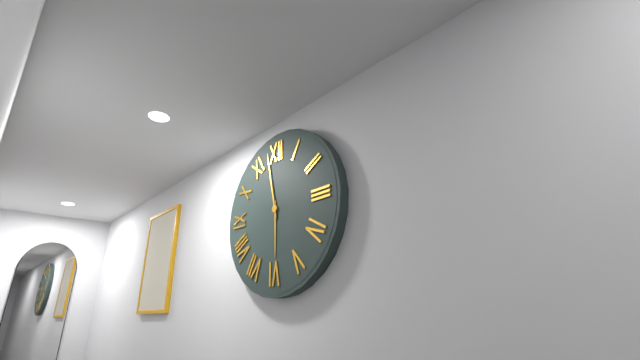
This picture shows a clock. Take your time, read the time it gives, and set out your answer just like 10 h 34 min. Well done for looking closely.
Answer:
5 h 58 min
